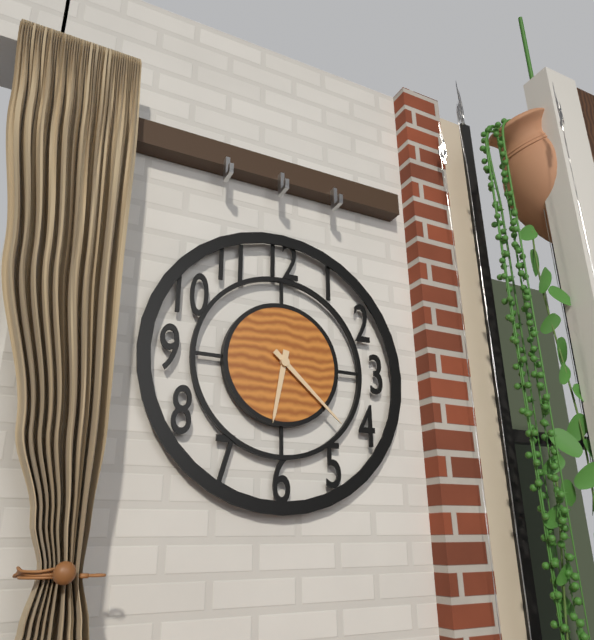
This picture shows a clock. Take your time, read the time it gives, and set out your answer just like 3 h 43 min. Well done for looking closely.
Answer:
6 h 22 min
